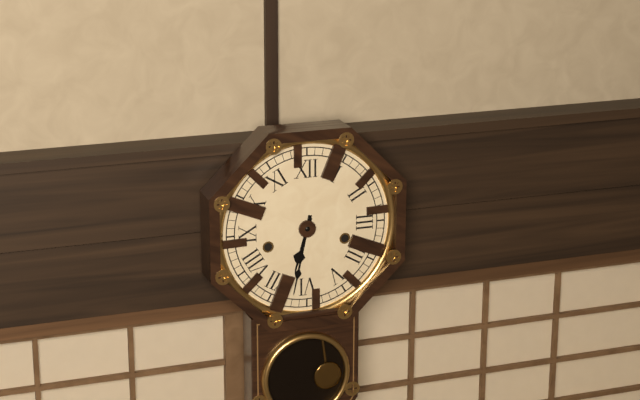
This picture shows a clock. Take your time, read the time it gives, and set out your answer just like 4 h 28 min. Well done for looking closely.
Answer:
6 h 32 min
